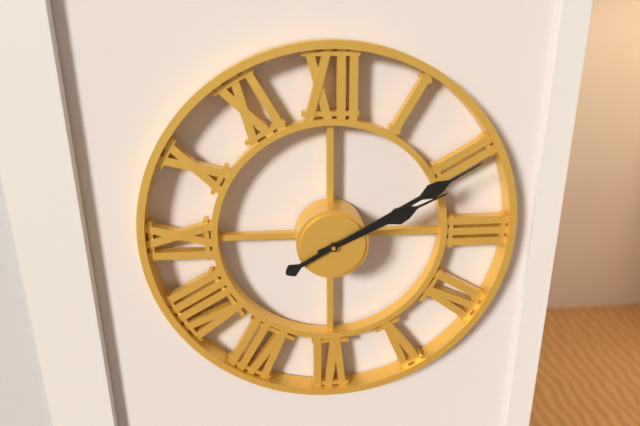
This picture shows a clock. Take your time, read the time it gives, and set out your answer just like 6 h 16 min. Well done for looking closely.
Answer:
2 h 10 min
